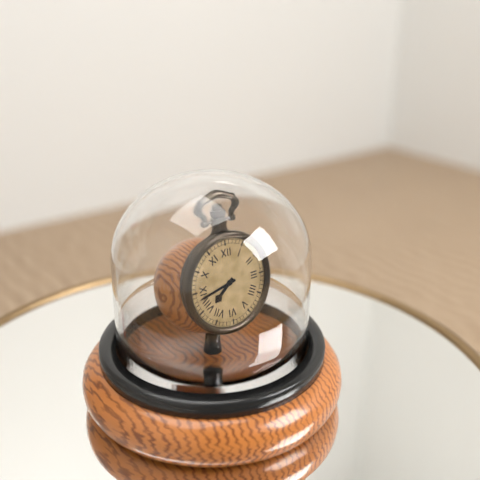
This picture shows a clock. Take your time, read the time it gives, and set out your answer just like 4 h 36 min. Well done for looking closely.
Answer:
7 h 43 min
